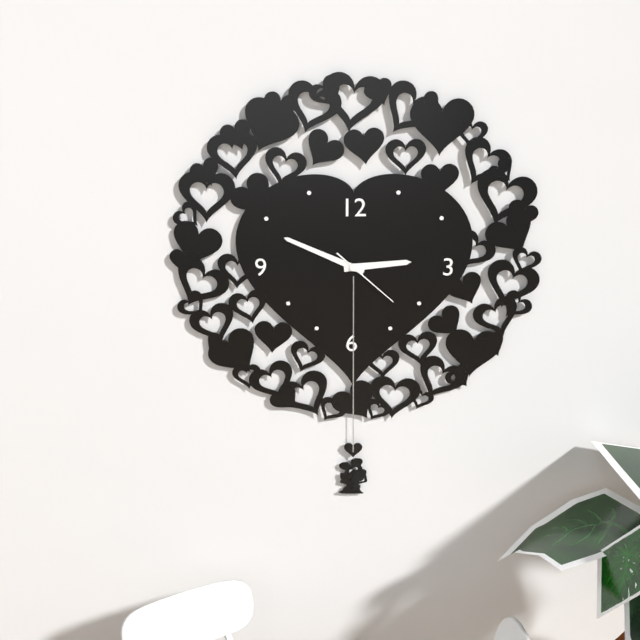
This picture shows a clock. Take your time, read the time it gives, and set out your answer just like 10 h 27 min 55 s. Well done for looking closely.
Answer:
2 h 49 min 22 s
